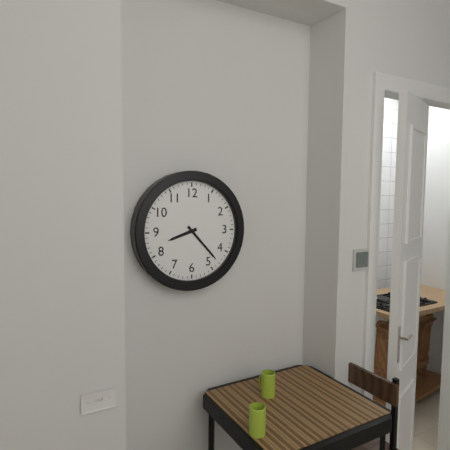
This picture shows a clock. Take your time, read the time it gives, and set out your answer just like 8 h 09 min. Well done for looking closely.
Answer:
8 h 23 min
